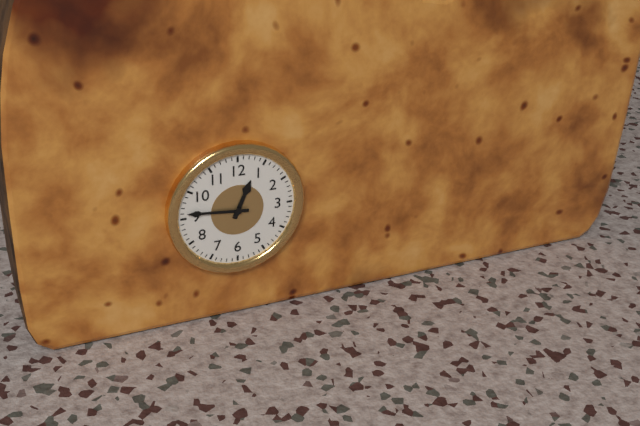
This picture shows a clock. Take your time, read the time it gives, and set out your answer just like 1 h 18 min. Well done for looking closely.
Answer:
12 h 46 min
